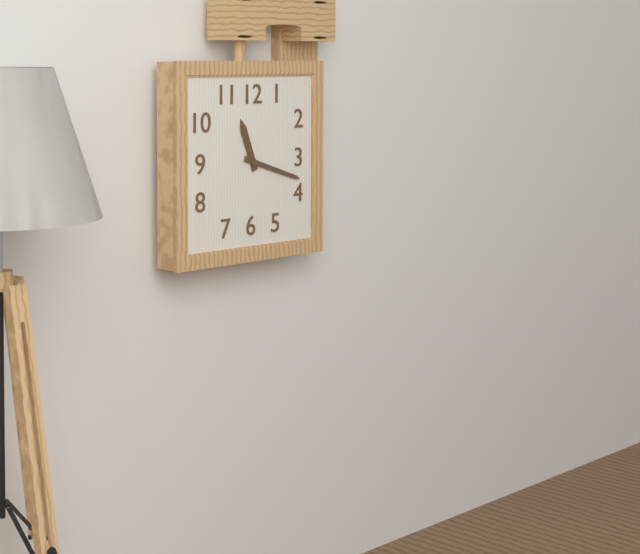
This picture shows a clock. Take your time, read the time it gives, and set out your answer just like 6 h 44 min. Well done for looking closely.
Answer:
11 h 18 min
